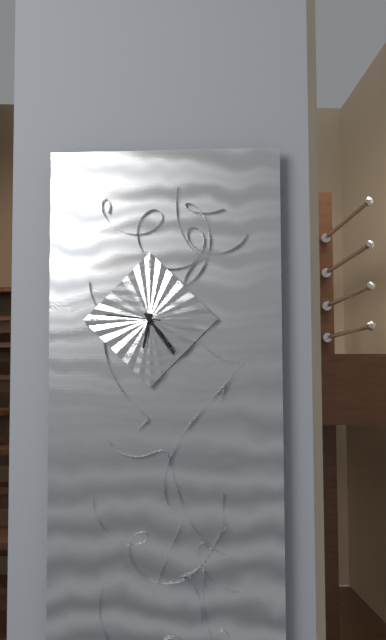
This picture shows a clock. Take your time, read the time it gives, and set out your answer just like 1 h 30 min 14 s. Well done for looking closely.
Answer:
6 h 24 min 46 s
